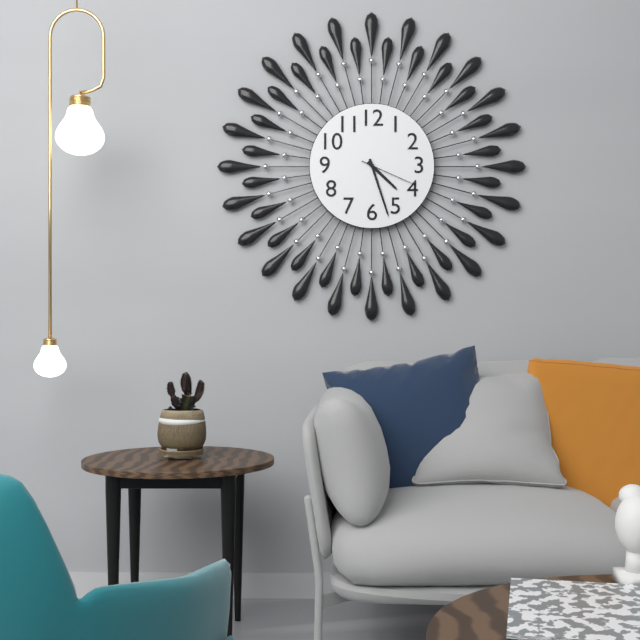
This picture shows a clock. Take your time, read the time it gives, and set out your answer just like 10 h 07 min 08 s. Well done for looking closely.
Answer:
4 h 27 min 19 s
